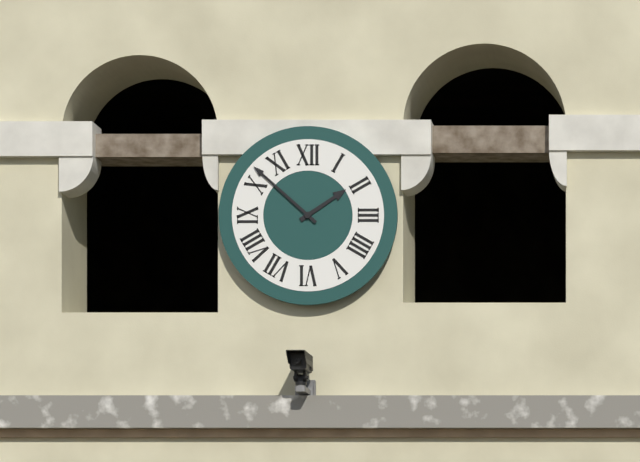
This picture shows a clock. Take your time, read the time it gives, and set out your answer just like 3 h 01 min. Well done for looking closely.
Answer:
1 h 52 min
